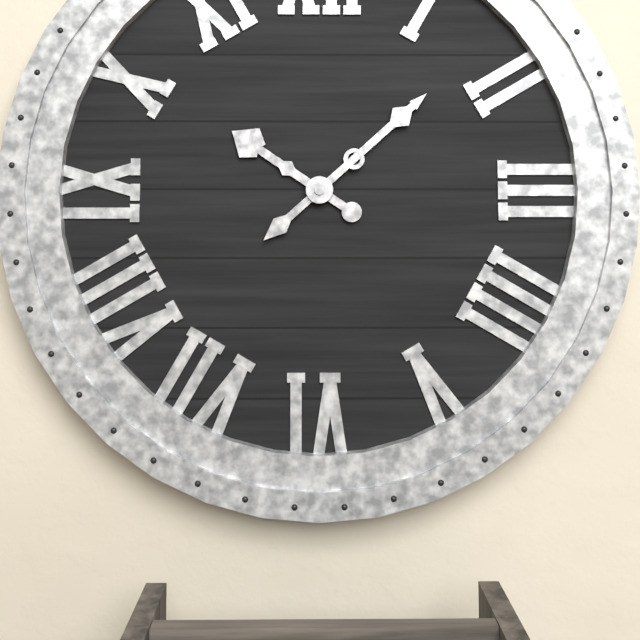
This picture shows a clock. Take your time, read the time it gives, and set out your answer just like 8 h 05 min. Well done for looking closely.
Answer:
10 h 08 min
